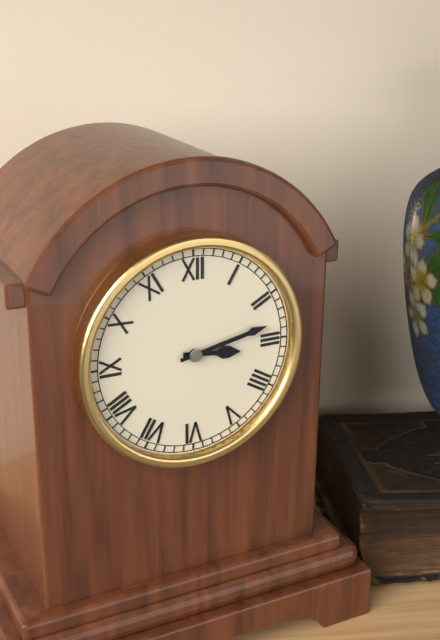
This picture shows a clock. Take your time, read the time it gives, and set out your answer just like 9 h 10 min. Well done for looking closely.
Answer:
3 h 13 min
